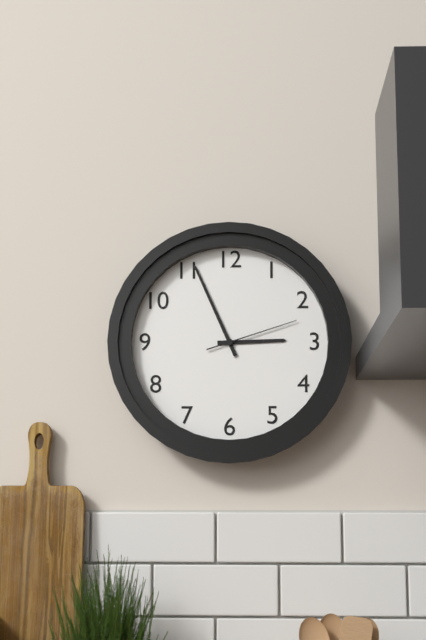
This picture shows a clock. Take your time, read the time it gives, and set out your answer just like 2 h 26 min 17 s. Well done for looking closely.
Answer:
2 h 56 min 12 s
